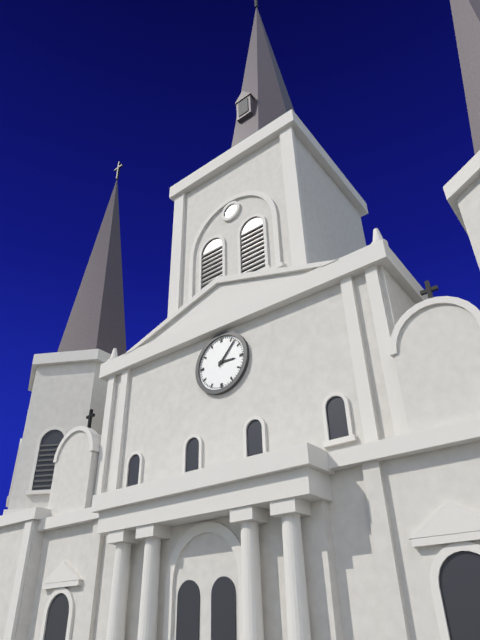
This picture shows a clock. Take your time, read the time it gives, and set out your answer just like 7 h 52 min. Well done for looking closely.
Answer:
3 h 07 min
